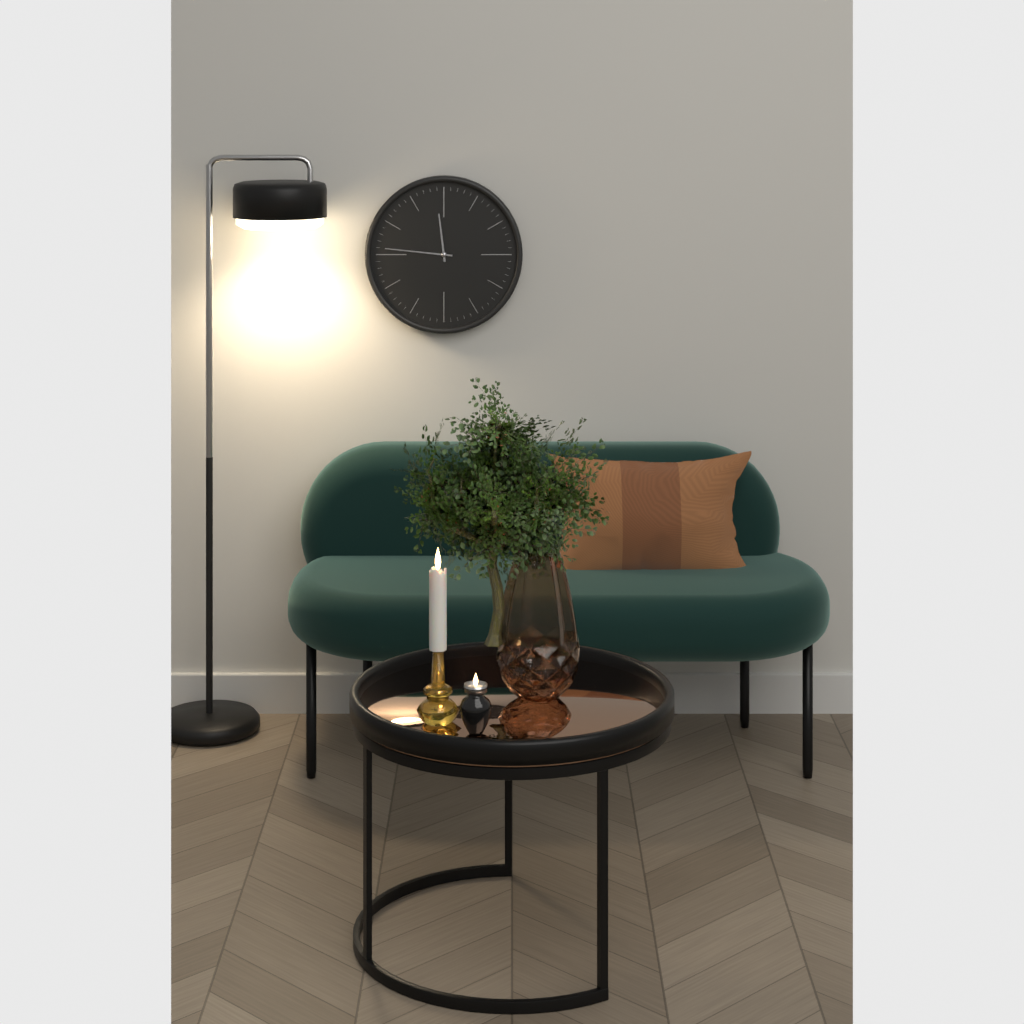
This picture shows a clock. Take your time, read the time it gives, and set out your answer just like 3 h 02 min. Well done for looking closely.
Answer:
11 h 46 min
